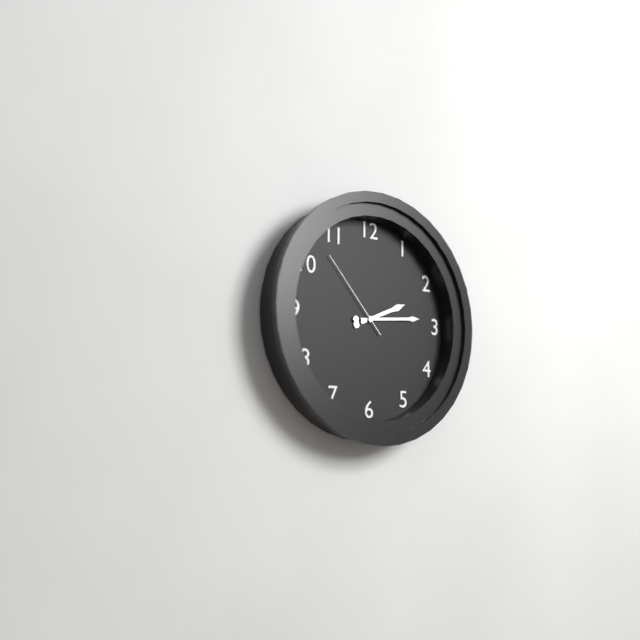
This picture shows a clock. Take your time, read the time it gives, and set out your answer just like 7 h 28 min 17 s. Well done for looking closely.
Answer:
2 h 14 min 53 s
